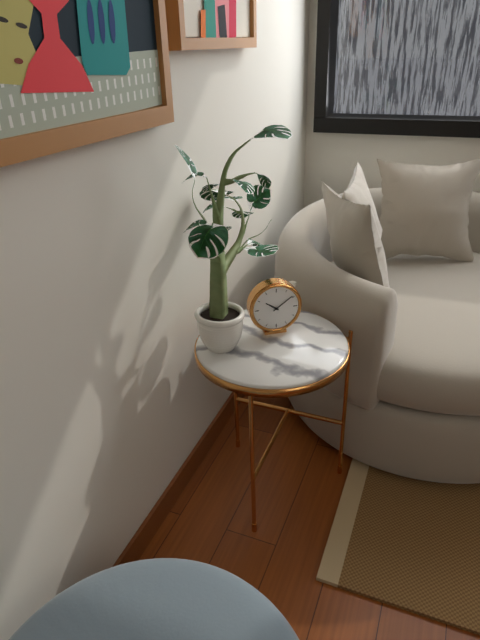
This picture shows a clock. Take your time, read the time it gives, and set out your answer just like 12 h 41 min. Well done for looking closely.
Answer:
10 h 09 min
